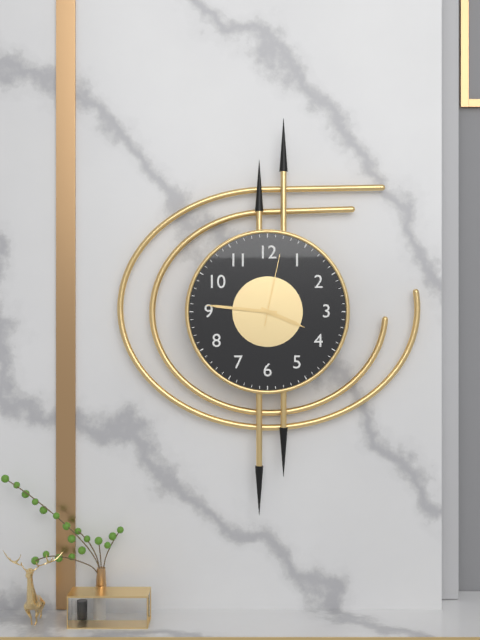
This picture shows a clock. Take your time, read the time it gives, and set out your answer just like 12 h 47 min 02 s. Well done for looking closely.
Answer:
3 h 46 min 02 s
